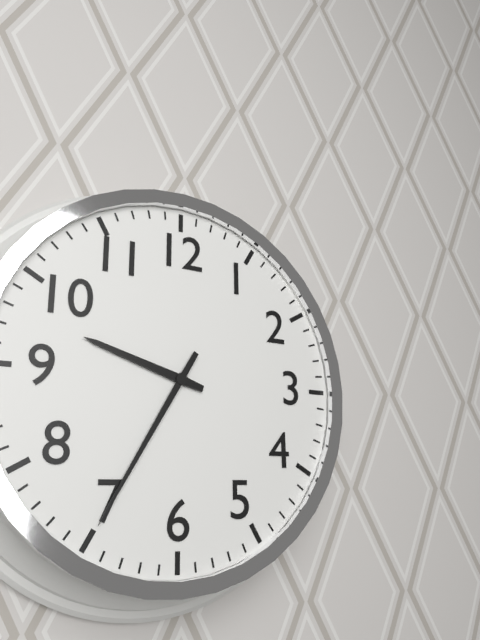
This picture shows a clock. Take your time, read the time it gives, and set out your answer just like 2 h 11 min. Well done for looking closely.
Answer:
9 h 35 min
